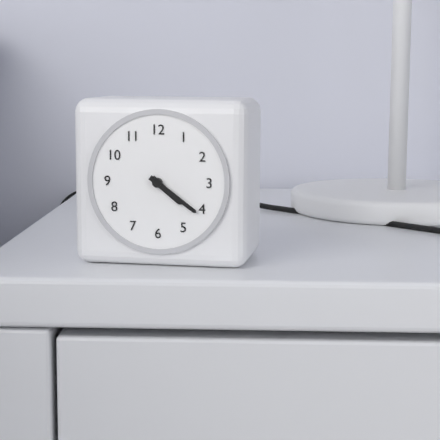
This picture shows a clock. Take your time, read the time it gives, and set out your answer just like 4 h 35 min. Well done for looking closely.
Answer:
4 h 21 min
